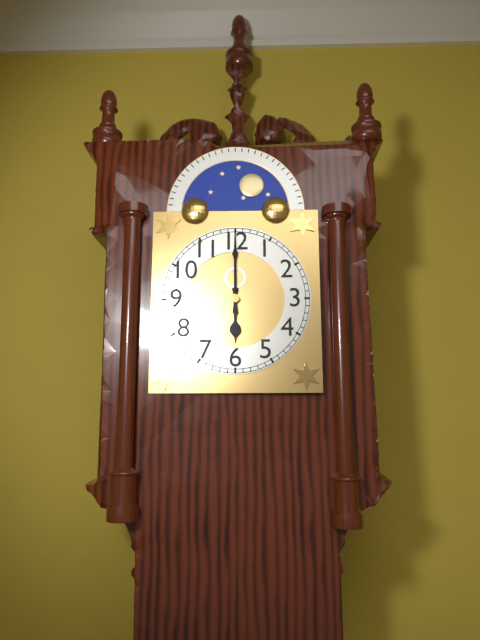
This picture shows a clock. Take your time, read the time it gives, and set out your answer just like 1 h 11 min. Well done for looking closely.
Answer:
6 h 00 min
